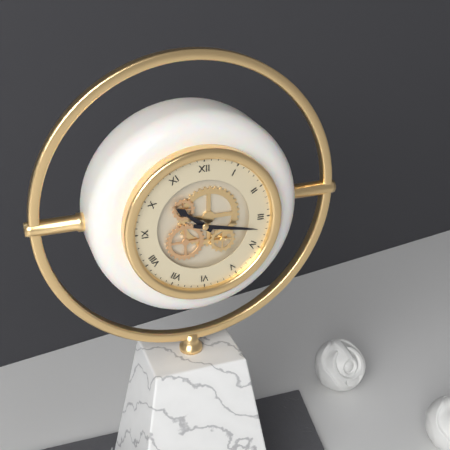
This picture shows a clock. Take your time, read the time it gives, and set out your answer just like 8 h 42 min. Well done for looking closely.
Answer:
10 h 17 min
